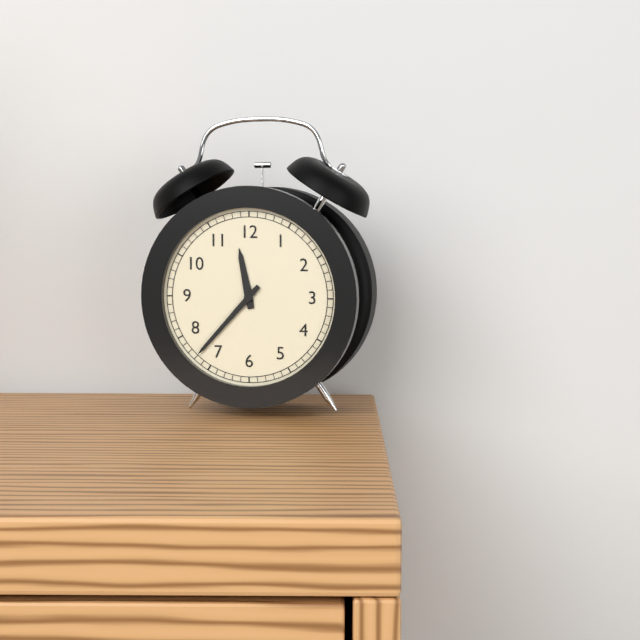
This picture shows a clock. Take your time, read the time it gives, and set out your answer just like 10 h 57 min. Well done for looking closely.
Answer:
11 h 37 min
